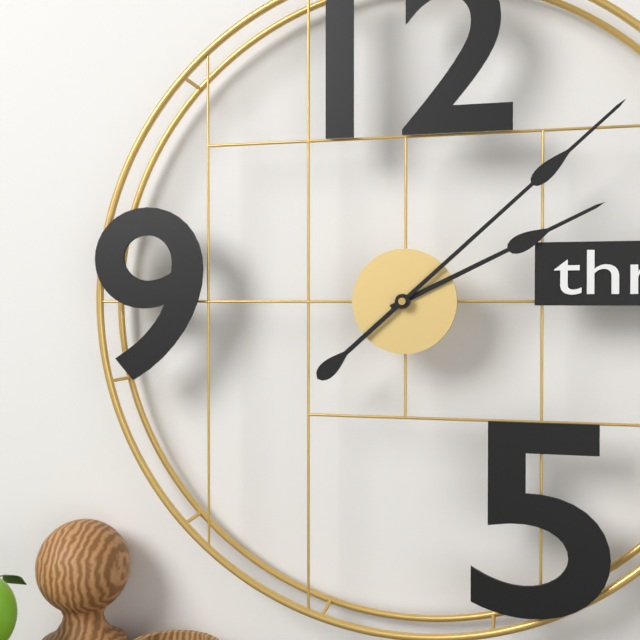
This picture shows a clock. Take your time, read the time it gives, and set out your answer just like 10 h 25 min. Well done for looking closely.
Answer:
2 h 08 min
